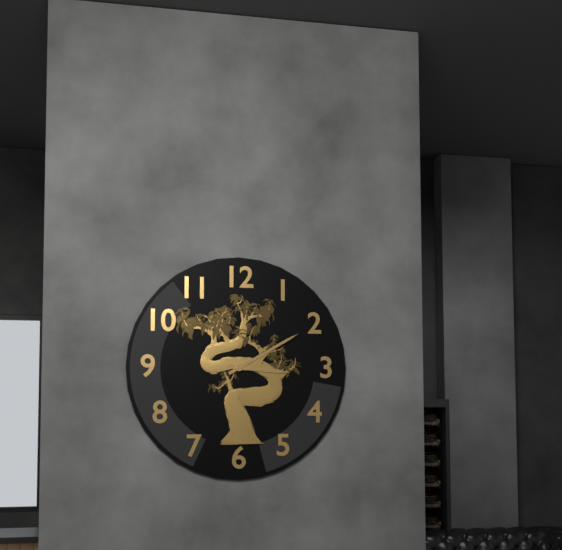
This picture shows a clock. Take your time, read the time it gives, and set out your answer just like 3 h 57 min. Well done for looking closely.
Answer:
3 h 10 min
